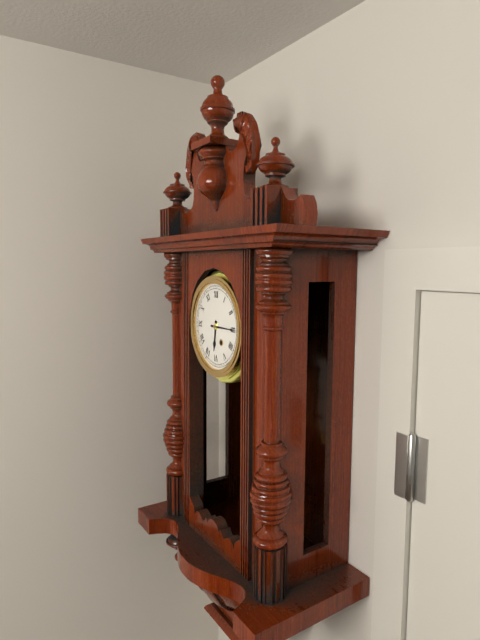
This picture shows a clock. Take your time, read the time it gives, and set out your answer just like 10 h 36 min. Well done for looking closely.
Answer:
6 h 15 min
